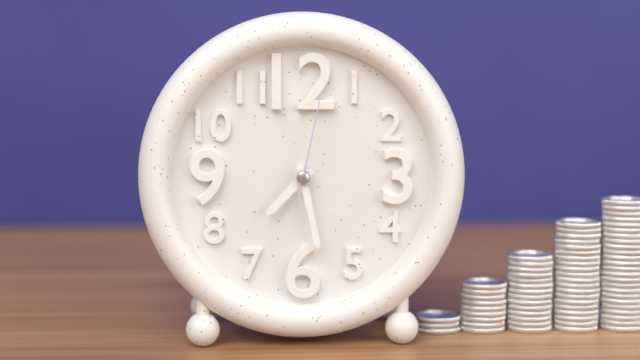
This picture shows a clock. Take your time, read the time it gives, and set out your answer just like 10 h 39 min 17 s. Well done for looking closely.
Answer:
7 h 28 min 02 s
